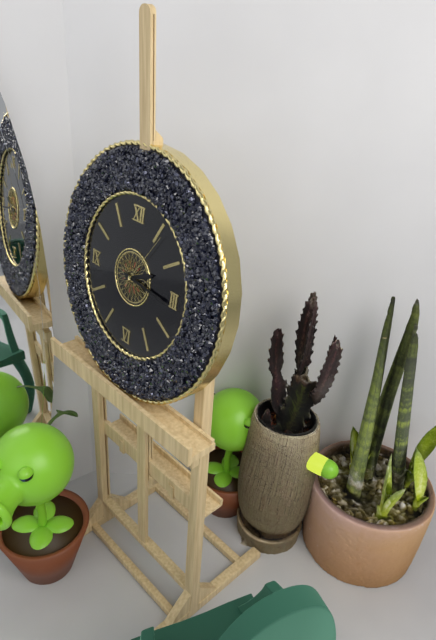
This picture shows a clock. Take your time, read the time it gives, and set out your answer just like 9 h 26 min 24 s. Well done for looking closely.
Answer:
2 h 16 min 06 s
